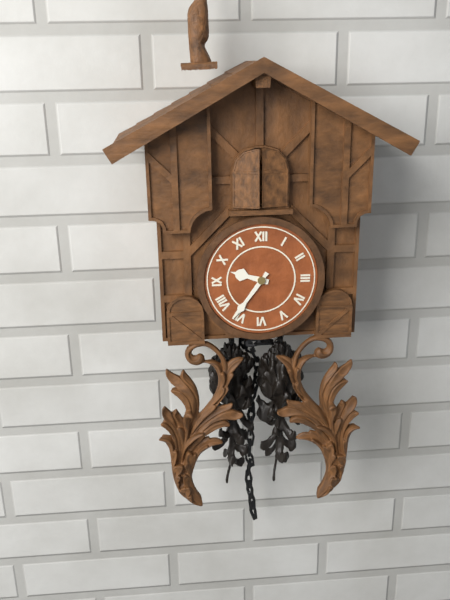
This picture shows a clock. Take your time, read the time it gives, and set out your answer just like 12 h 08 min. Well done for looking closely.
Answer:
9 h 36 min
